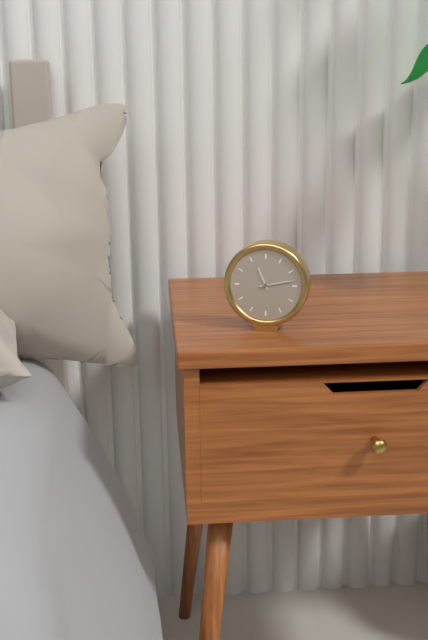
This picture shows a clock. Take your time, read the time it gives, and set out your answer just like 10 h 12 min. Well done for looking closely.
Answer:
11 h 13 min
